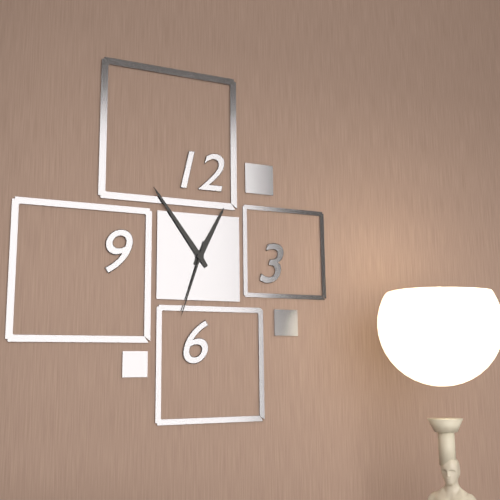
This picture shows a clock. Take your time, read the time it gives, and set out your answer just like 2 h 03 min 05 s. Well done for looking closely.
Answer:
12 h 54 min 33 s
